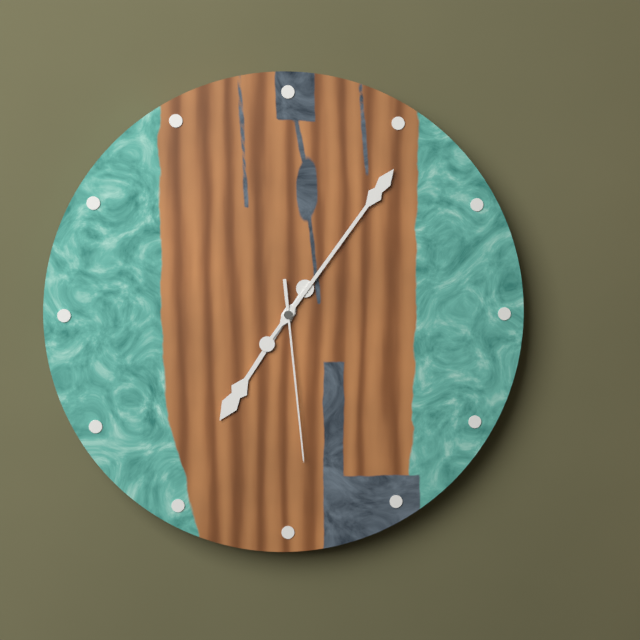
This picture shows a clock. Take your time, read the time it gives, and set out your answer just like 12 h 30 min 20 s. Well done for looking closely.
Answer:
7 h 06 min 29 s
